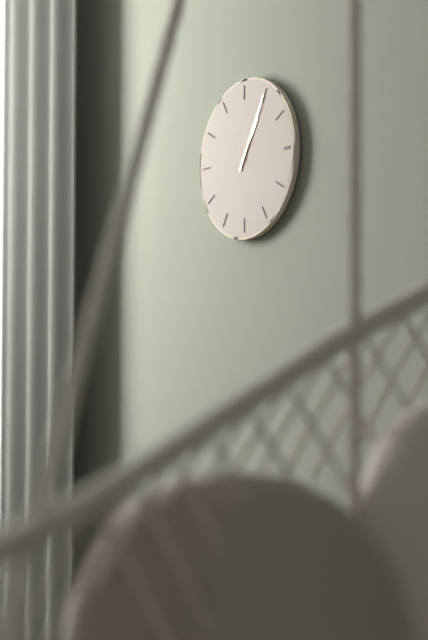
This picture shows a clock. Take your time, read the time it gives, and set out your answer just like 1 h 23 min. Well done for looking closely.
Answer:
1 h 05 min
